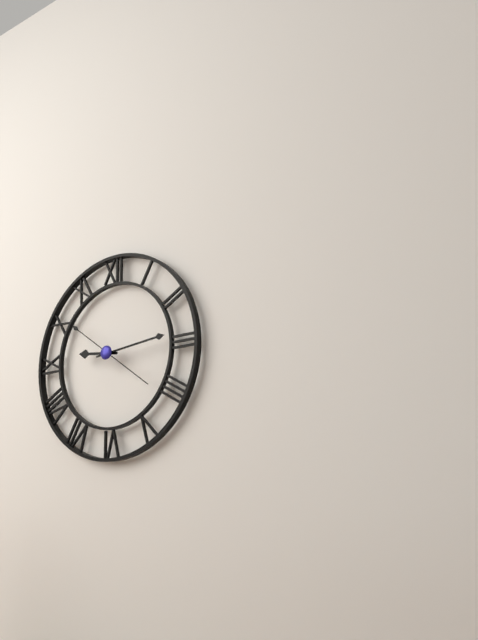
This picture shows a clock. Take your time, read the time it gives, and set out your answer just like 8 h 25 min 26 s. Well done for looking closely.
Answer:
9 h 14 min 21 s
